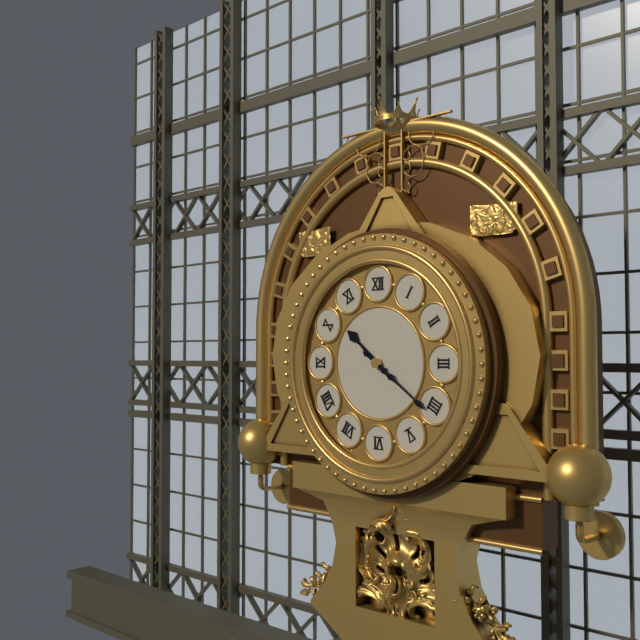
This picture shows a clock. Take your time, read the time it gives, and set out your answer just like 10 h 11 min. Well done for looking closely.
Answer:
10 h 21 min
